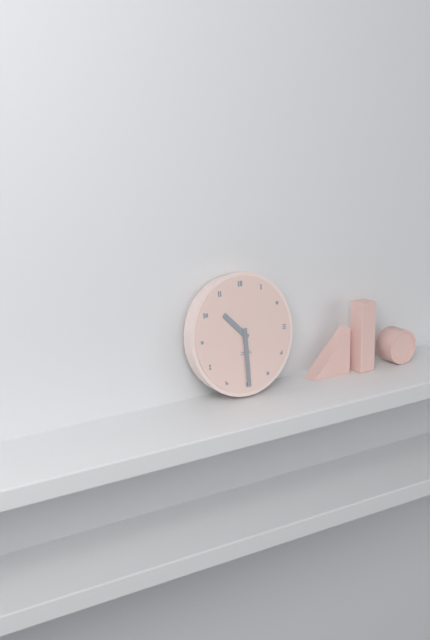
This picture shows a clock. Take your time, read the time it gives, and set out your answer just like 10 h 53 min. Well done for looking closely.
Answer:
10 h 30 min
